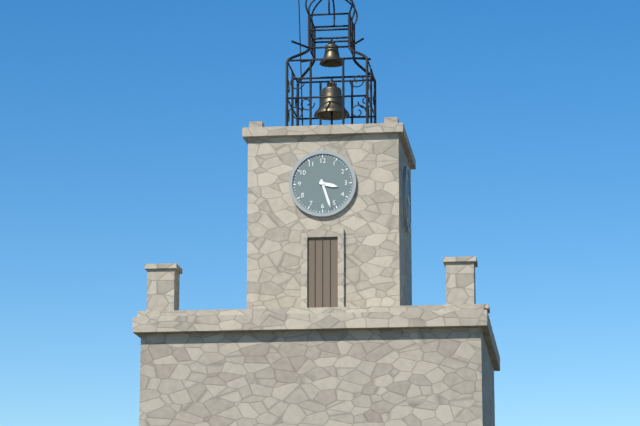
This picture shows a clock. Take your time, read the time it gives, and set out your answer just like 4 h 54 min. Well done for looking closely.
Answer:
3 h 27 min
